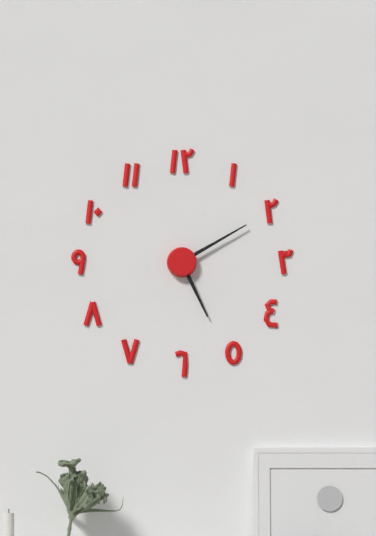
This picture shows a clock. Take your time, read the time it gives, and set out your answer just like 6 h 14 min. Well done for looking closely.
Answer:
5 h 10 min
